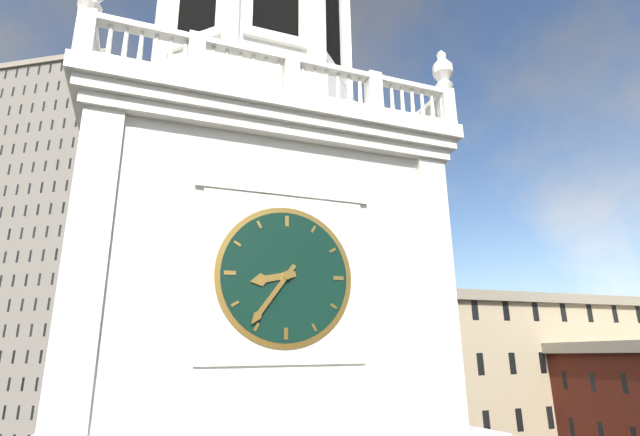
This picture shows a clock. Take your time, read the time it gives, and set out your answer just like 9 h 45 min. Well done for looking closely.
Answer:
8 h 36 min
